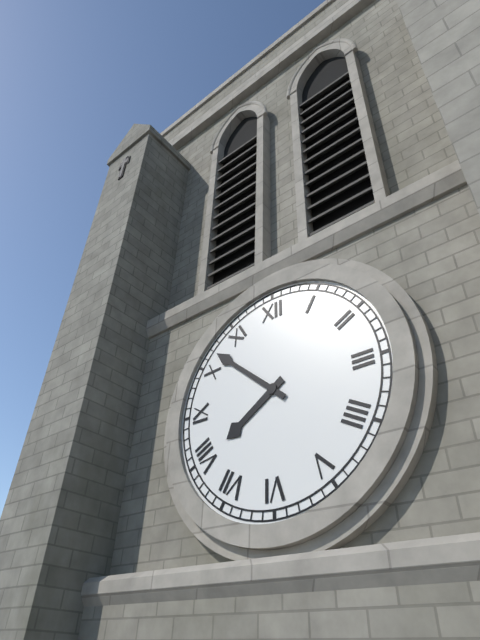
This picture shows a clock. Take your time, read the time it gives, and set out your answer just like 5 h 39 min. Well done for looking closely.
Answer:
7 h 52 min
